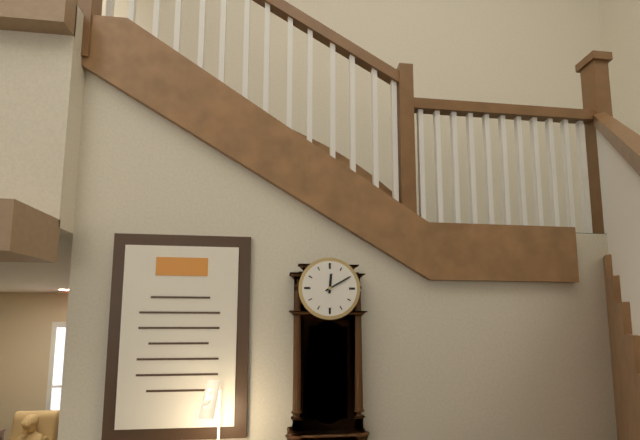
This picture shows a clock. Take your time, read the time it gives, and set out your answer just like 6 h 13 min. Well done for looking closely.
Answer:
12 h 10 min
